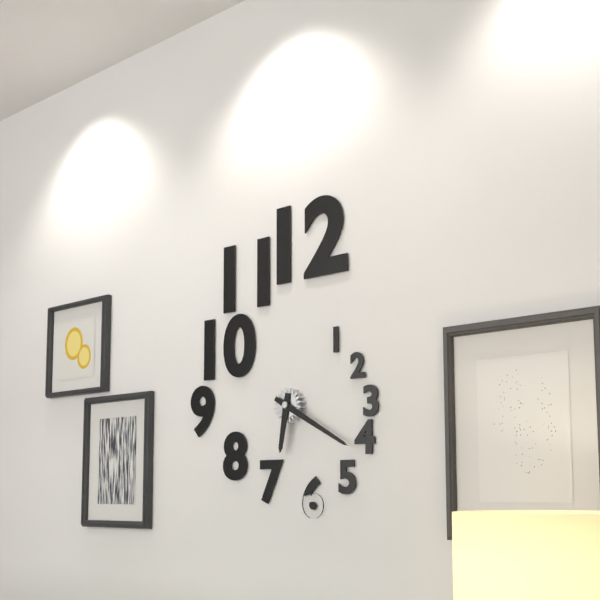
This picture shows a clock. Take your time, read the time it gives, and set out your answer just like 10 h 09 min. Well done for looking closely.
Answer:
6 h 20 min
